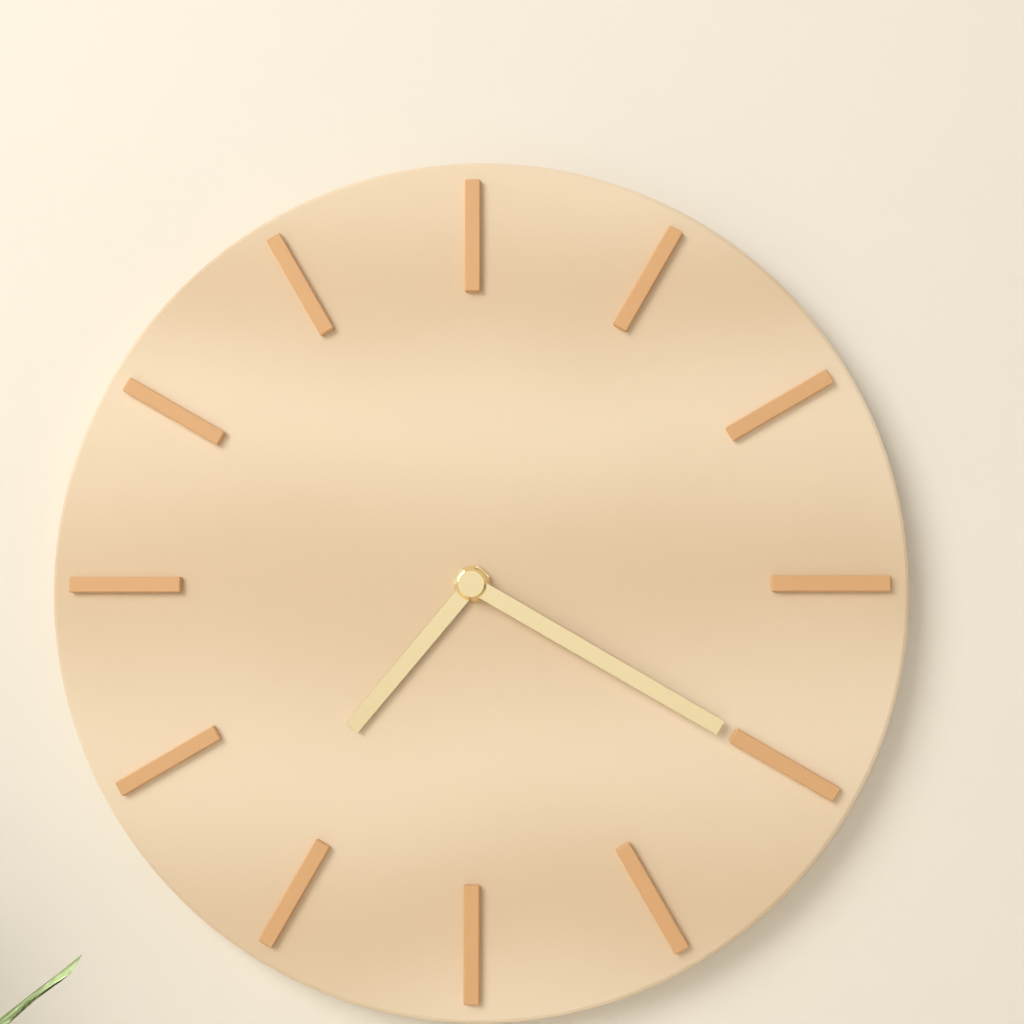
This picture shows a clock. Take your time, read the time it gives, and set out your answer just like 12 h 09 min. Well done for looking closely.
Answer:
7 h 20 min
